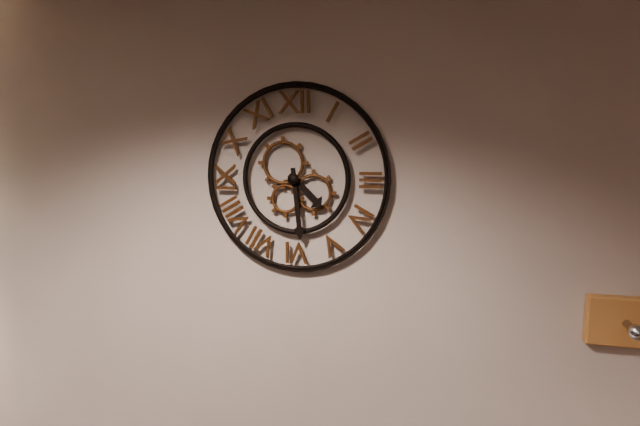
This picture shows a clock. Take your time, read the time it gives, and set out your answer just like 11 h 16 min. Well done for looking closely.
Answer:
4 h 29 min
